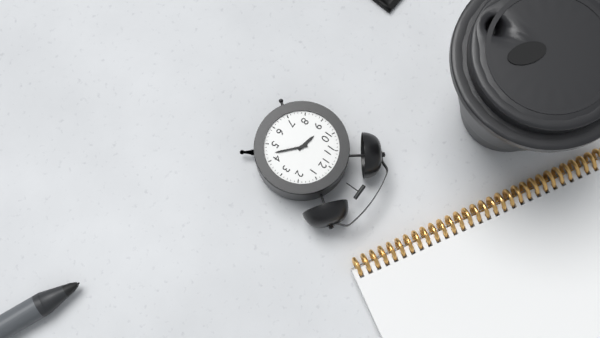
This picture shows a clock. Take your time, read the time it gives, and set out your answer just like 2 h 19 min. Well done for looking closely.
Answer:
9 h 22 min
